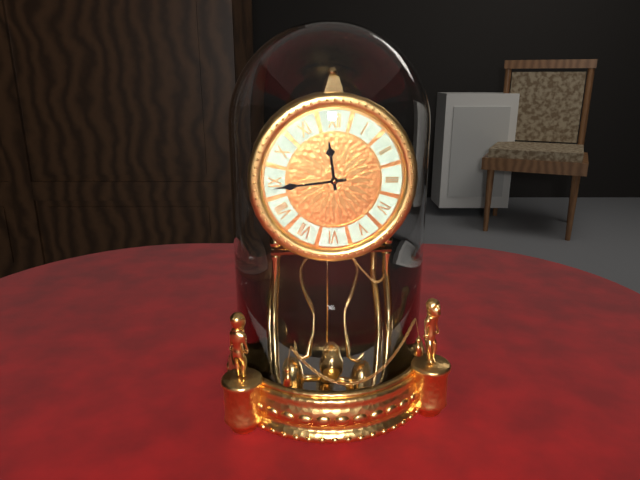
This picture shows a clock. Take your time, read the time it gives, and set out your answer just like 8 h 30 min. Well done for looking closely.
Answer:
11 h 44 min
